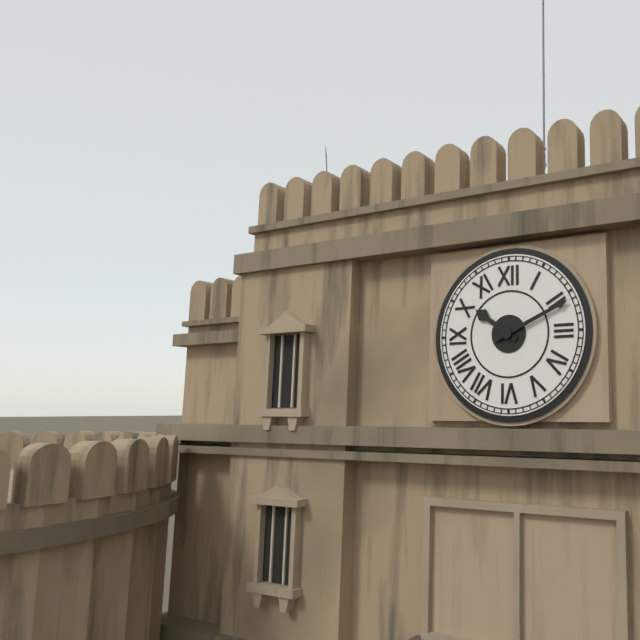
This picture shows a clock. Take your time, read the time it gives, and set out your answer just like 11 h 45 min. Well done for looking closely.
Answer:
10 h 11 min
